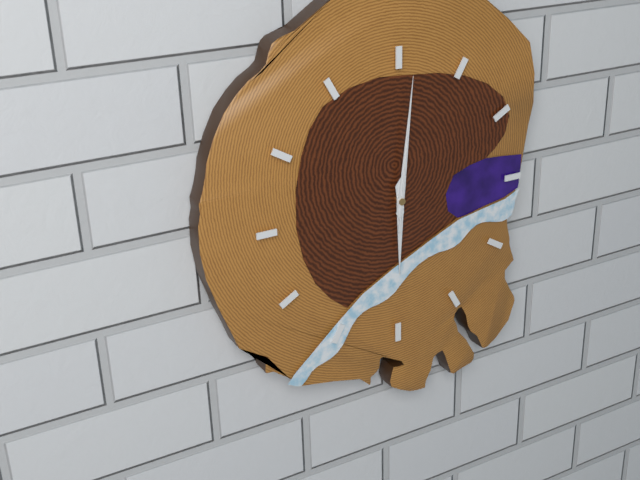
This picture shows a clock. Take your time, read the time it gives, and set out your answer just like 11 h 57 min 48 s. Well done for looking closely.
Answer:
6 h 01 min 01 s
